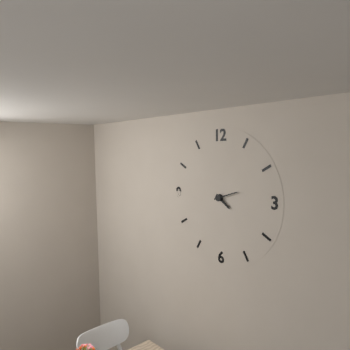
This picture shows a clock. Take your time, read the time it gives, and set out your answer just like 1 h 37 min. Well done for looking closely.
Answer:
4 h 12 min
